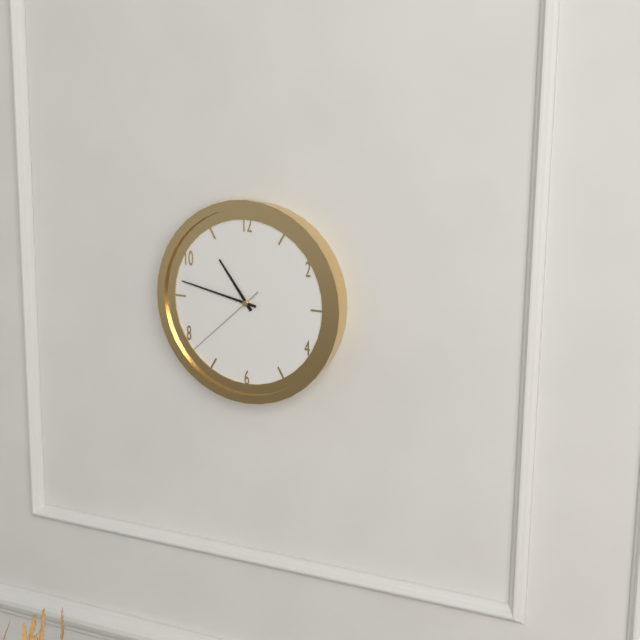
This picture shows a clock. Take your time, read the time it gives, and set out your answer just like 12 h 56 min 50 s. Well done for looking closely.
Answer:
10 h 47 min 38 s
